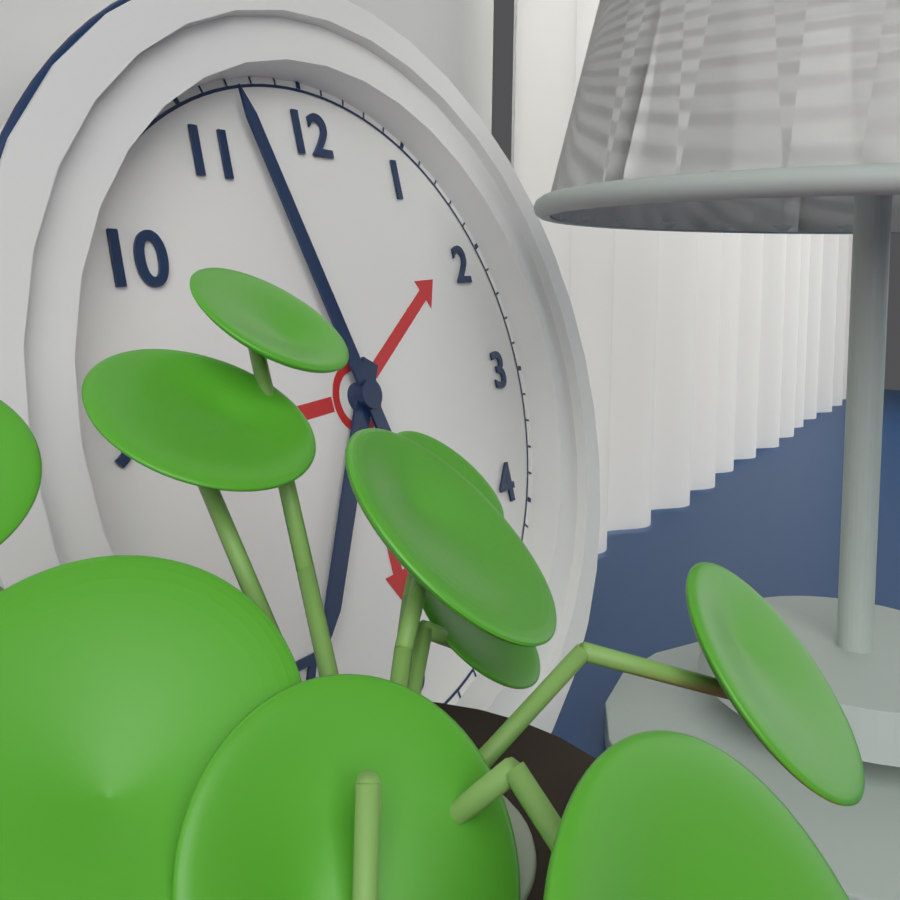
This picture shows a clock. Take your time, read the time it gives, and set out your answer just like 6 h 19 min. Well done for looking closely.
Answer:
6 h 57 min
